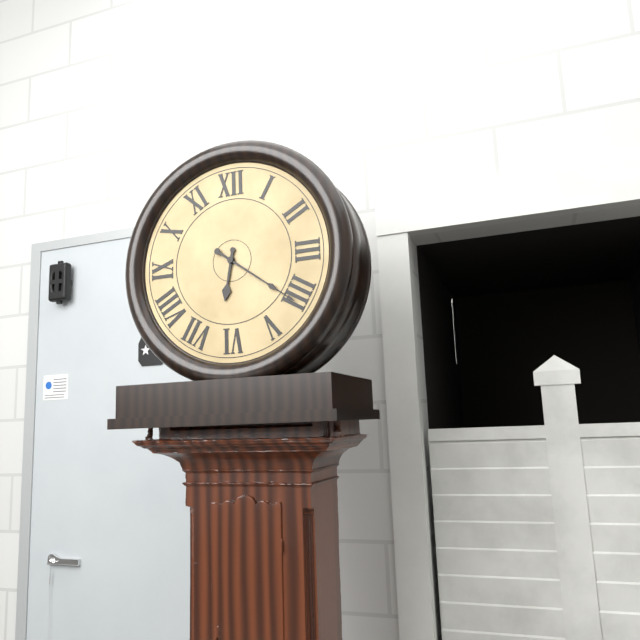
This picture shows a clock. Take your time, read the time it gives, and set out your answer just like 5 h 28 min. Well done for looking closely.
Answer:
6 h 21 min
